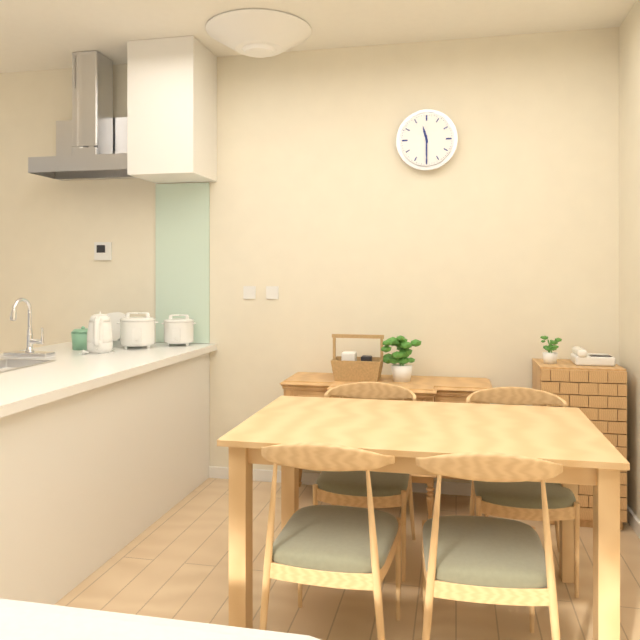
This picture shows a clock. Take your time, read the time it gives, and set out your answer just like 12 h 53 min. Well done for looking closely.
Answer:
11 h 30 min
